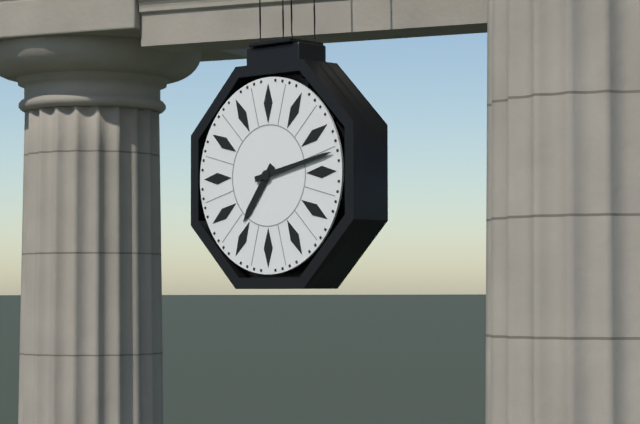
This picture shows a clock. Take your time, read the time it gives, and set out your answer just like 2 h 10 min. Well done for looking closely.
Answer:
7 h 13 min
